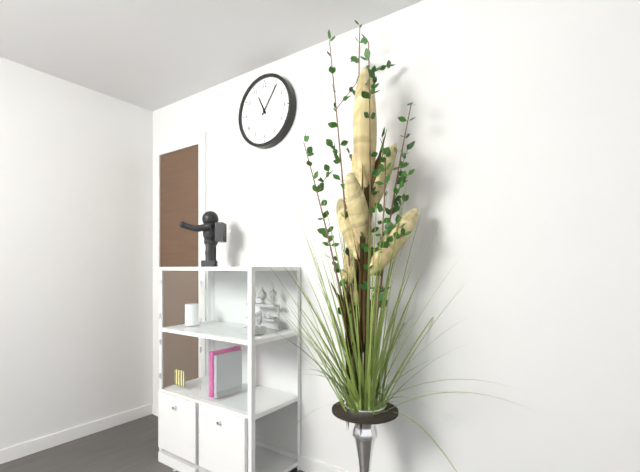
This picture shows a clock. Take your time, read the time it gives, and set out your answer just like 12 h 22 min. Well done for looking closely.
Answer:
11 h 06 min
